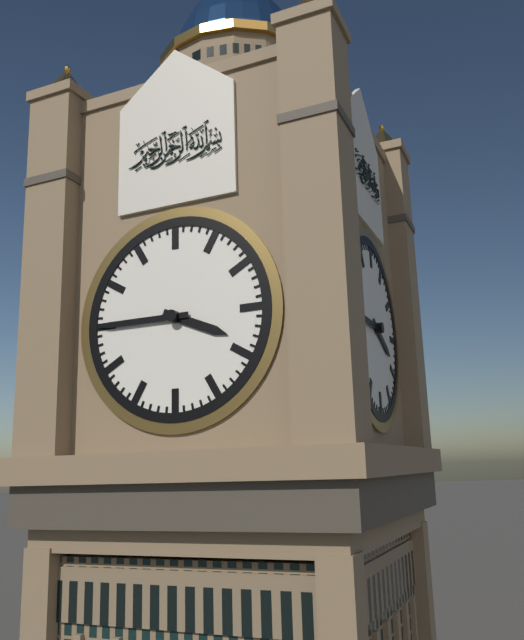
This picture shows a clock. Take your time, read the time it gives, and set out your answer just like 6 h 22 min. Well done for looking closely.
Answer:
3 h 45 min
